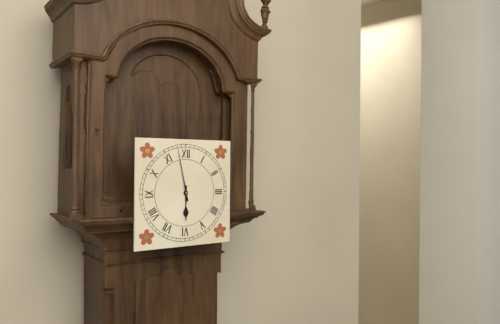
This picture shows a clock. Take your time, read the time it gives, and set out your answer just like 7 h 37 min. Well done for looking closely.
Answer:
5 h 58 min
